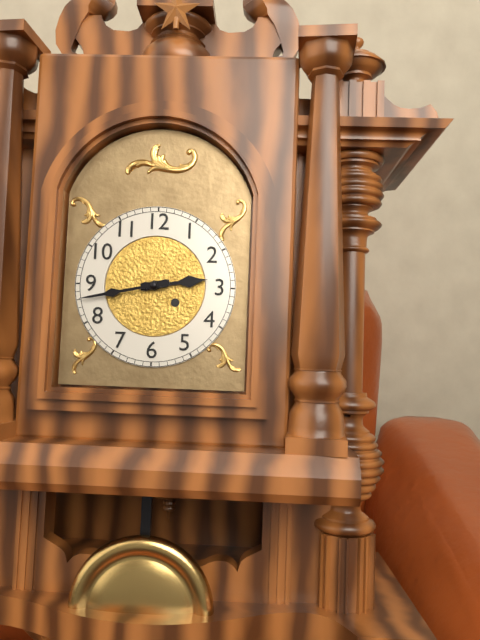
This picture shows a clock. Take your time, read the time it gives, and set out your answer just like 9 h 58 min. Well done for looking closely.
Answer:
2 h 43 min
